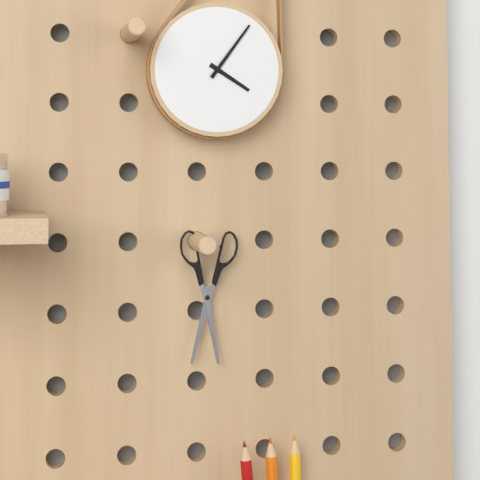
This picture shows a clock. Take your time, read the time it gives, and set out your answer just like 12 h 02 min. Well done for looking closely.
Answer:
4 h 06 min
